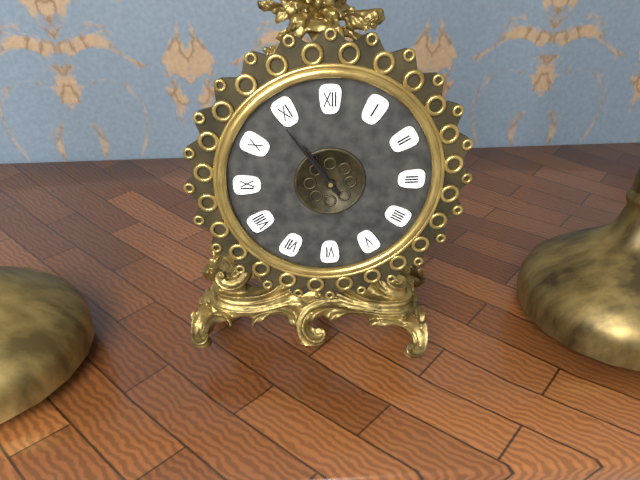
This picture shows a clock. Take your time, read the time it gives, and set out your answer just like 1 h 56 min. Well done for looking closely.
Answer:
10 h 54 min
